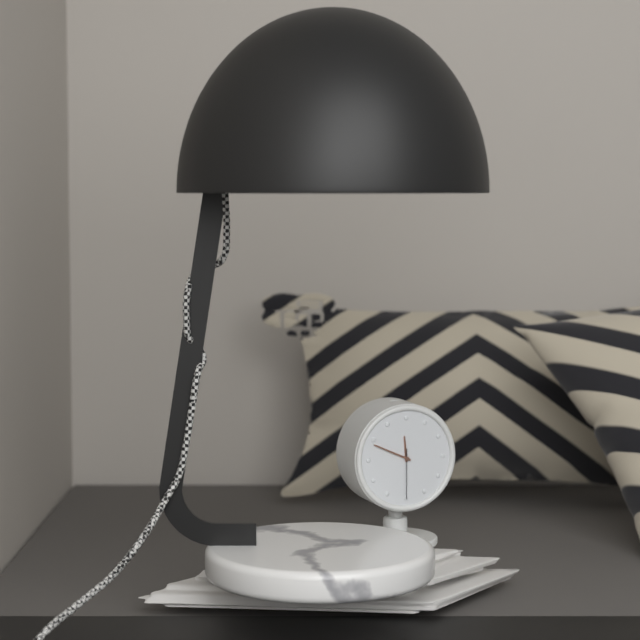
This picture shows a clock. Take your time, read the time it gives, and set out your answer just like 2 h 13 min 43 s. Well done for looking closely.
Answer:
11 h 49 min 30 s
